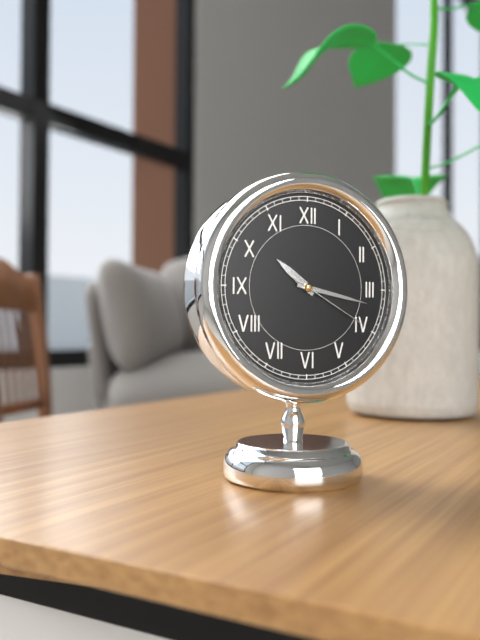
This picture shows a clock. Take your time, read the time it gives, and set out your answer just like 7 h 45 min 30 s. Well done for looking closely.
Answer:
10 h 17 min 20 s
